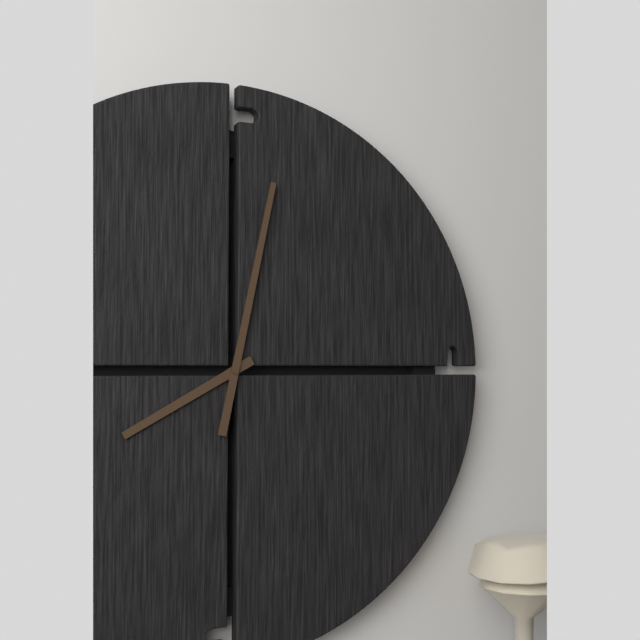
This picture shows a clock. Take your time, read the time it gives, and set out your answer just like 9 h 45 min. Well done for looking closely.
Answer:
8 h 02 min
